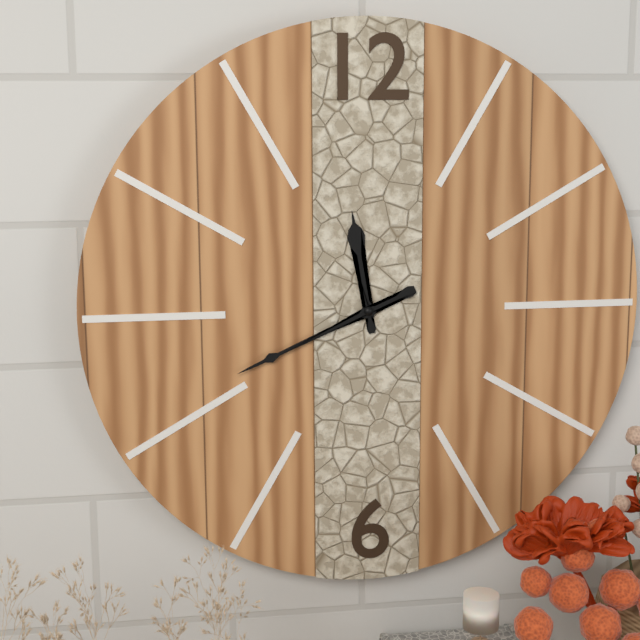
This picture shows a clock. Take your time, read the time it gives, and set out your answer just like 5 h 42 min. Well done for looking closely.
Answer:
11 h 41 min
